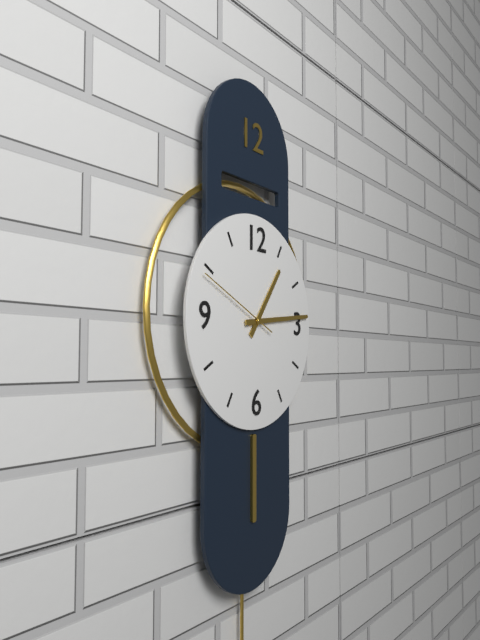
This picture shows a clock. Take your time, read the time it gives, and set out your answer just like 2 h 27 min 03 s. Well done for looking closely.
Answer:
1 h 14 min 49 s
